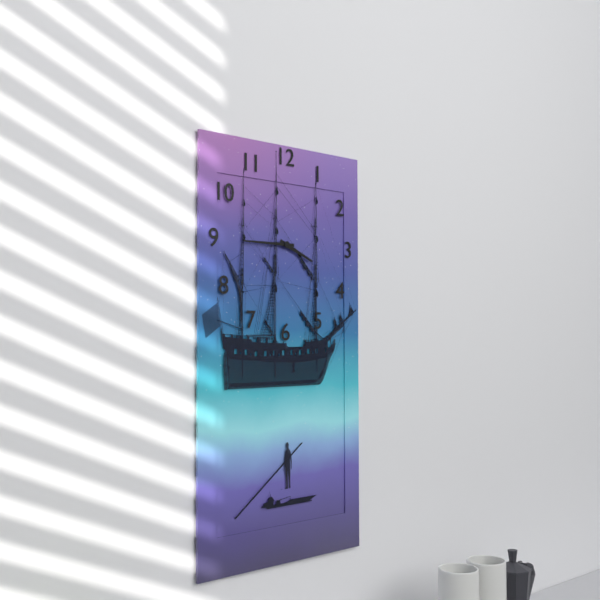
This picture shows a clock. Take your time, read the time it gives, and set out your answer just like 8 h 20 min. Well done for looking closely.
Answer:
3 h 45 min
